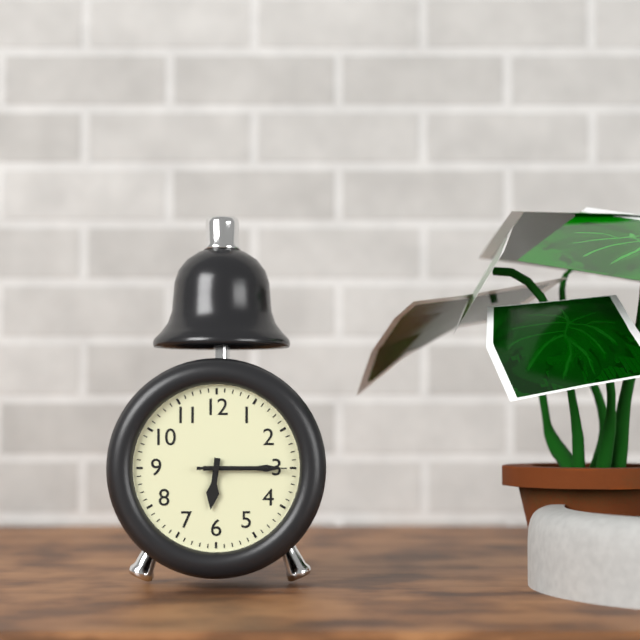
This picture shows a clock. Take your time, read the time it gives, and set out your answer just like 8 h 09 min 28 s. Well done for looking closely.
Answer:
6 h 15 min 15 s
